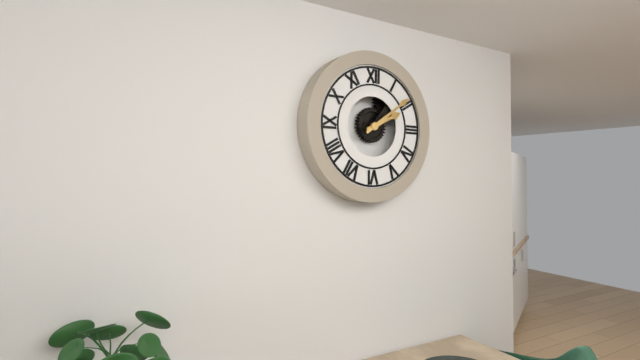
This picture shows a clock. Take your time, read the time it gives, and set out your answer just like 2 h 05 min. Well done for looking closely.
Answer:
2 h 09 min
